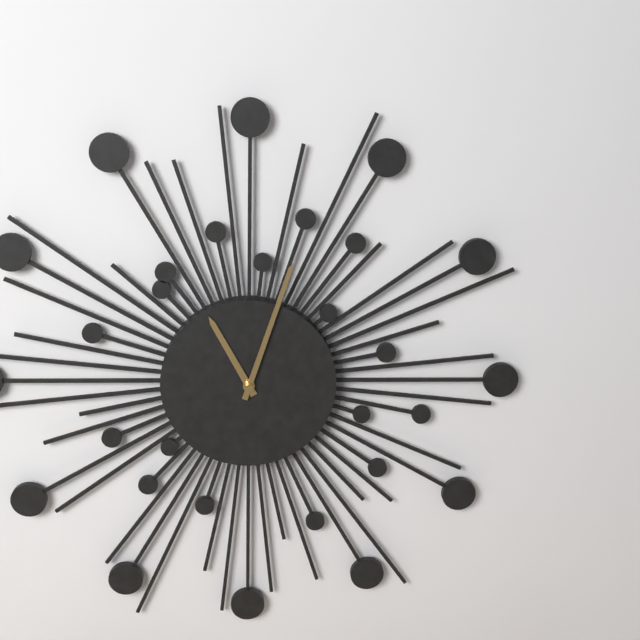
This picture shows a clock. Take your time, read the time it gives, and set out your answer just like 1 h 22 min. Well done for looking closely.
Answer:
11 h 03 min
